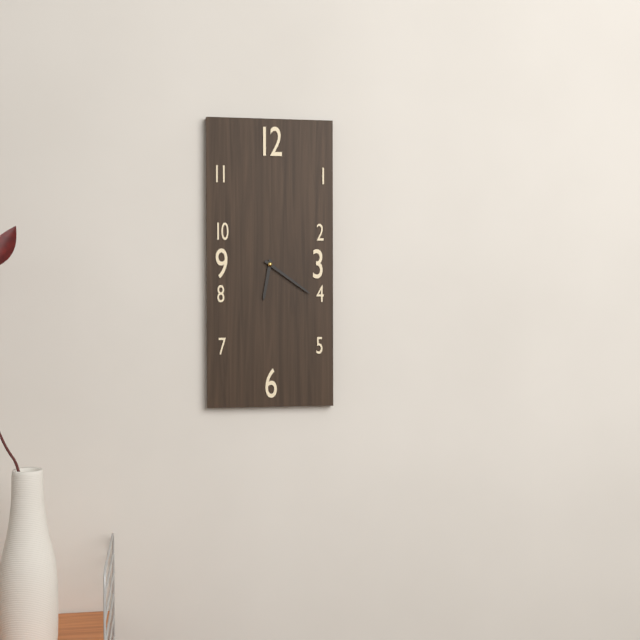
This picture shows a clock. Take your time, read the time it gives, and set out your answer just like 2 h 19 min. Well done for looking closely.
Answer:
6 h 21 min
